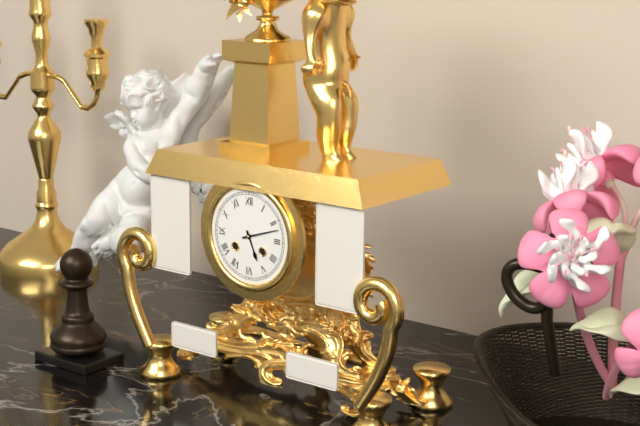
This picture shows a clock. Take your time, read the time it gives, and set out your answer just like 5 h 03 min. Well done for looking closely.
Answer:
5 h 12 min
